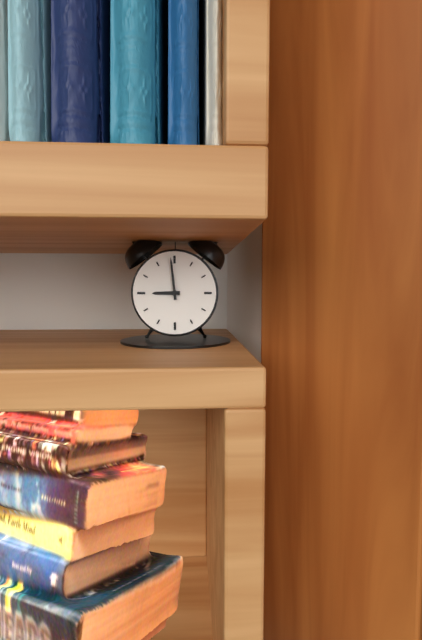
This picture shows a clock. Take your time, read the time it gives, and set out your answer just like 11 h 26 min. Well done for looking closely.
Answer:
8 h 59 min
